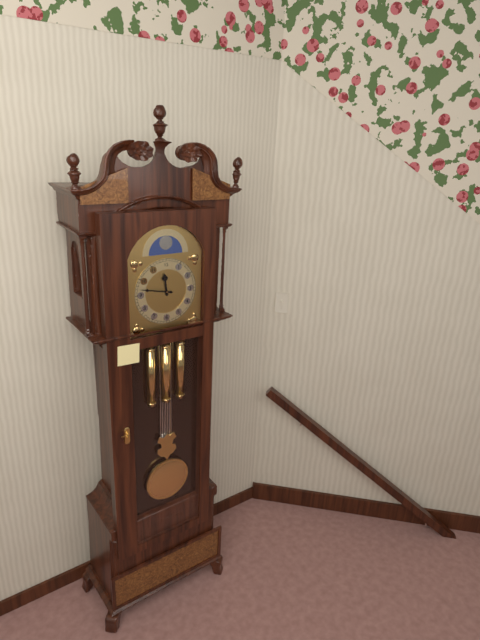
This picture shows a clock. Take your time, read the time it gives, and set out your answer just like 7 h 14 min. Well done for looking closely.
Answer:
11 h 47 min
